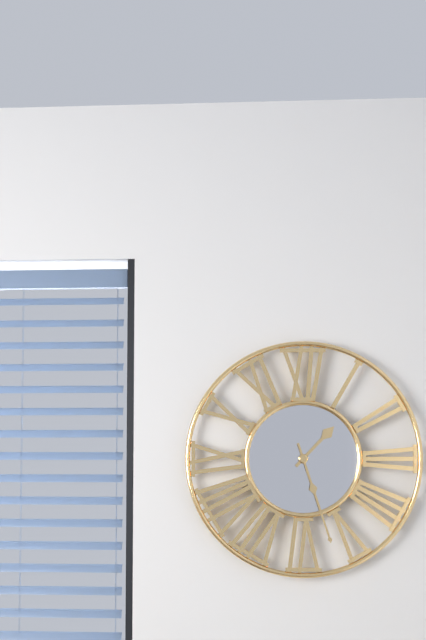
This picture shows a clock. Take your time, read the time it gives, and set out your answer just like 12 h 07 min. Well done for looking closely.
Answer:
1 h 27 min
